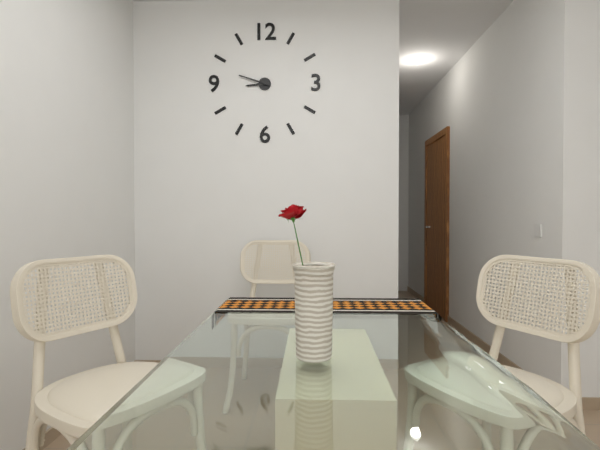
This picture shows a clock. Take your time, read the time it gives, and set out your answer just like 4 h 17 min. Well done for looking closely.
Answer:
8 h 48 min
